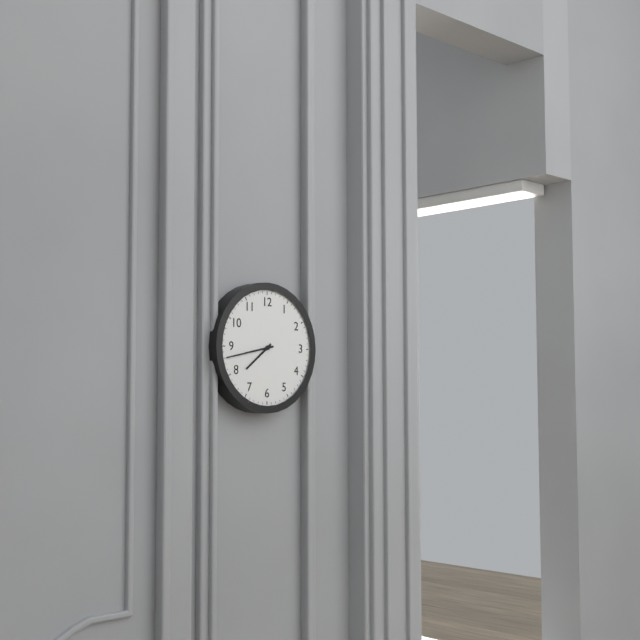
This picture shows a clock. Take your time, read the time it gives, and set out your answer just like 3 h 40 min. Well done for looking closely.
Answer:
7 h 43 min
